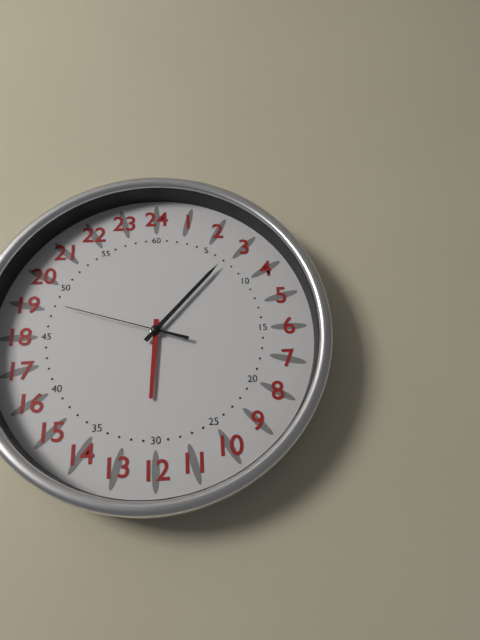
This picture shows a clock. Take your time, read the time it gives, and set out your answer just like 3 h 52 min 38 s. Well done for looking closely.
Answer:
6 h 07 min 48 s
